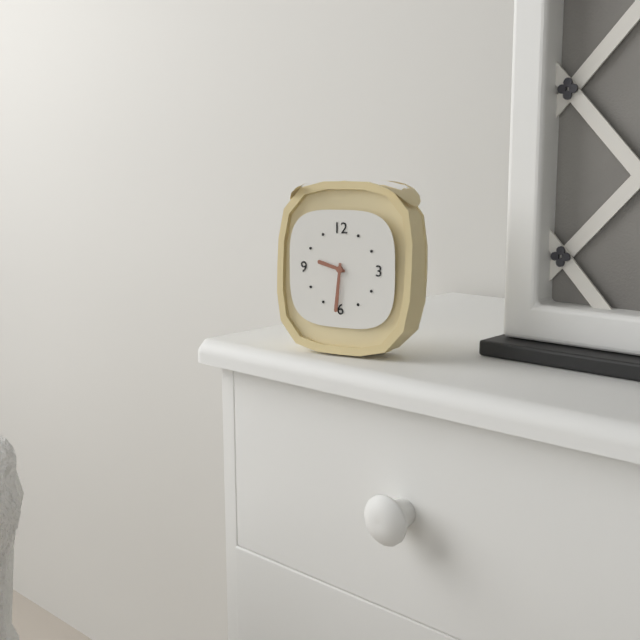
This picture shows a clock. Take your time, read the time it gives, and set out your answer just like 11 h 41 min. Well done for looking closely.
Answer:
9 h 31 min
